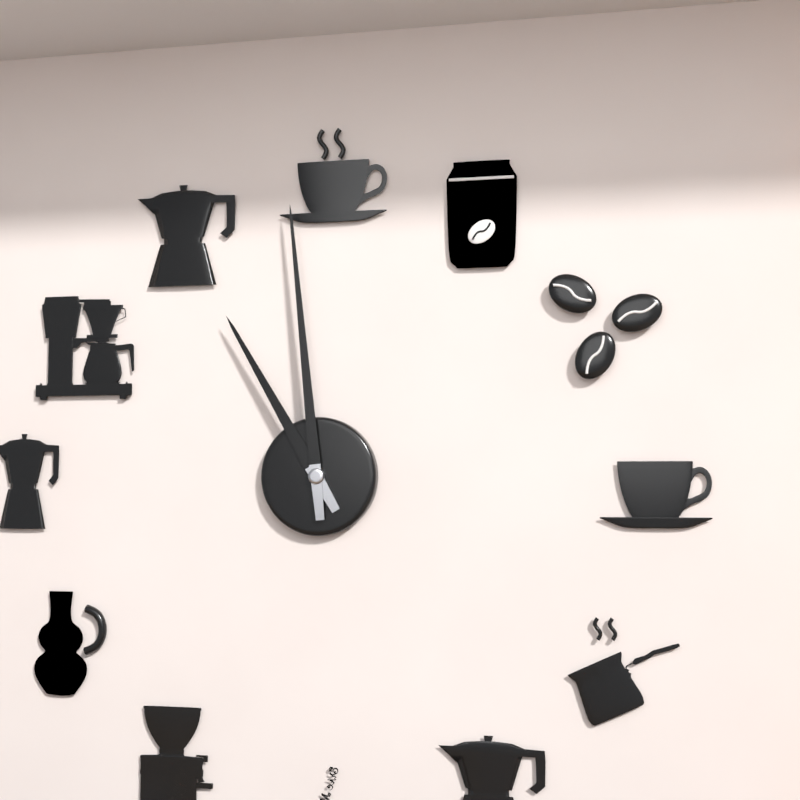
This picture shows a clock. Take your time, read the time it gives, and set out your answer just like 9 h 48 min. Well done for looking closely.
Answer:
10 h 59 min
